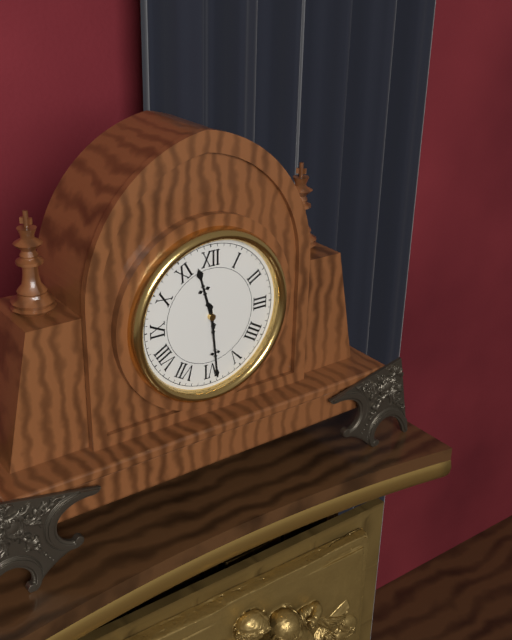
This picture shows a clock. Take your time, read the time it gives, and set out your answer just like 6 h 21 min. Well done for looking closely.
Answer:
11 h 29 min
